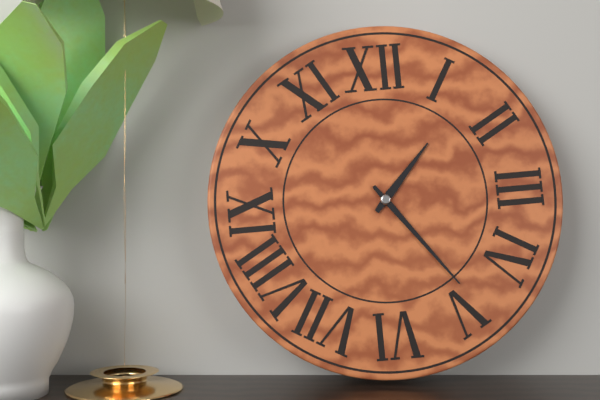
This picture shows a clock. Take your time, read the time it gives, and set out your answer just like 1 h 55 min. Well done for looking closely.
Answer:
1 h 24 min
